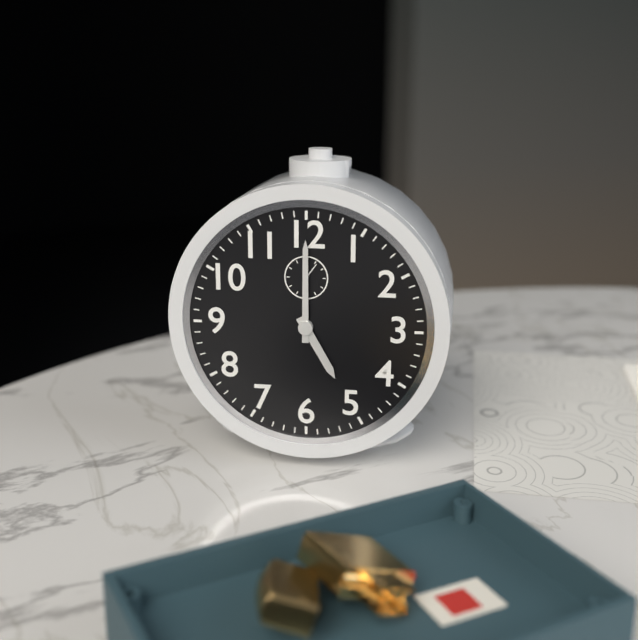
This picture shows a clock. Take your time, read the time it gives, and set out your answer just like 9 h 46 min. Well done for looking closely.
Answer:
5 h 00 min
